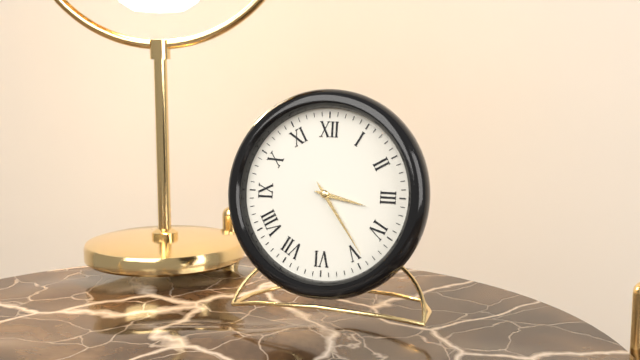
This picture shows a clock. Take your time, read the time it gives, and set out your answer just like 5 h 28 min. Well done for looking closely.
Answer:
3 h 24 min
